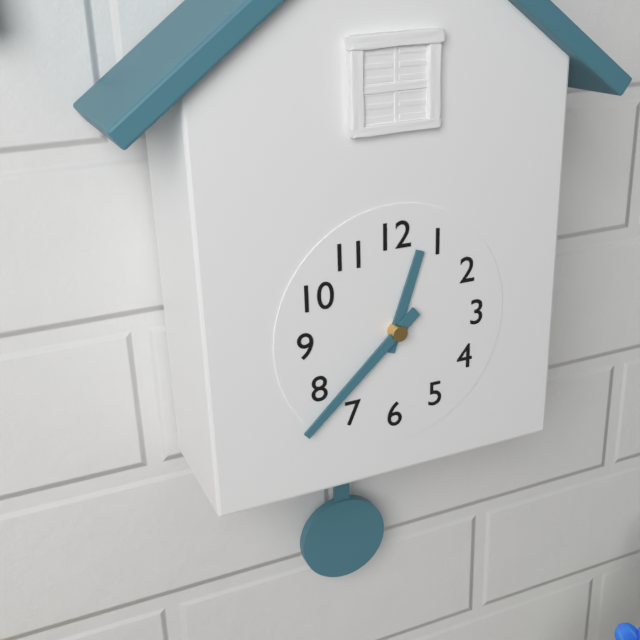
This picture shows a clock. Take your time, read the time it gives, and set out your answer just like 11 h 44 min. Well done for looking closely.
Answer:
12 h 38 min
